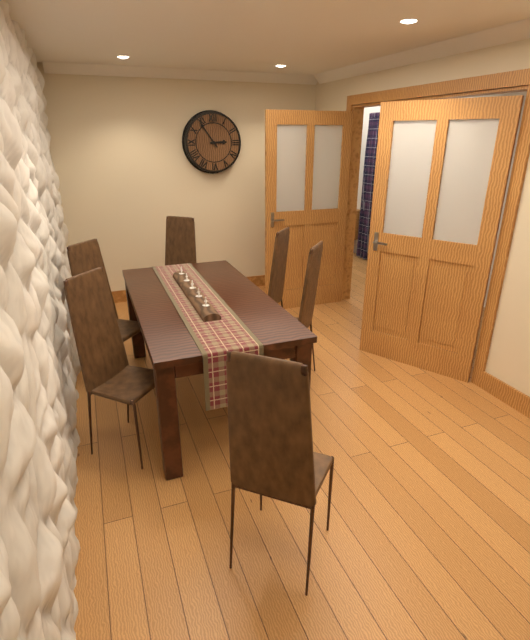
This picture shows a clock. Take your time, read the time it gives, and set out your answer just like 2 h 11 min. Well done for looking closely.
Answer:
2 h 54 min
